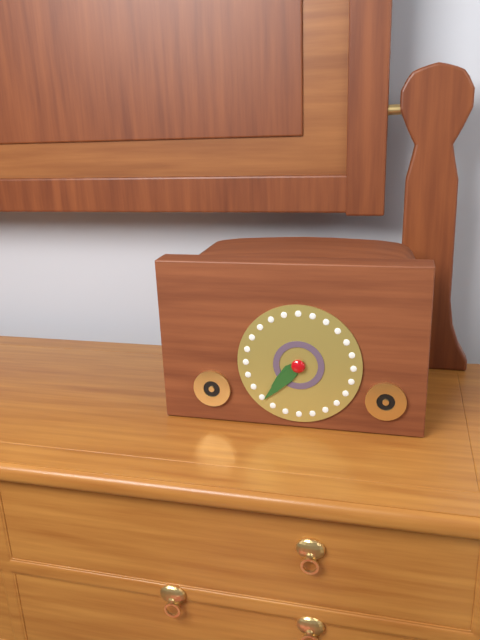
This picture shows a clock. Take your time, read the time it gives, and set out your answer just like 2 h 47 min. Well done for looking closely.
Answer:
7 h 37 min
